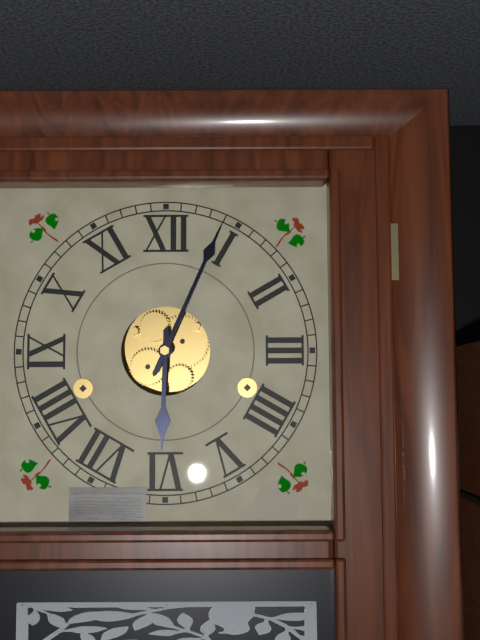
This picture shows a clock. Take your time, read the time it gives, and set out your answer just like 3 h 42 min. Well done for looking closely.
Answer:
6 h 04 min
